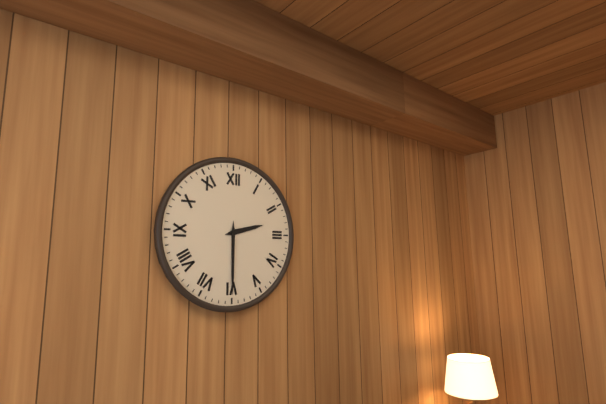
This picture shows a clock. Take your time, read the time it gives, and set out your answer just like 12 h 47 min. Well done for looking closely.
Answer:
2 h 30 min
